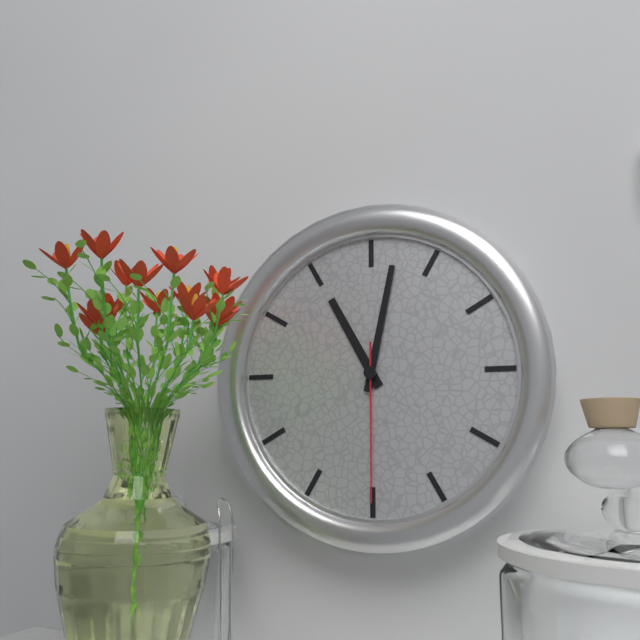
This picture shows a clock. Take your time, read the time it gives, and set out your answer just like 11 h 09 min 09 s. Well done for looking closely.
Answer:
11 h 02 min 30 s
